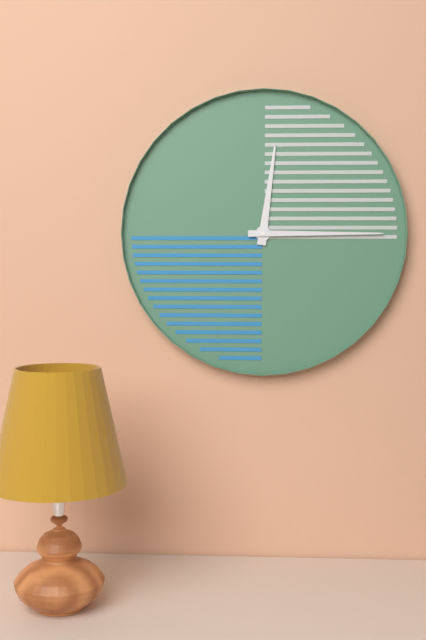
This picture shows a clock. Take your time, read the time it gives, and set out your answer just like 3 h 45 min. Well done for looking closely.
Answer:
12 h 15 min
